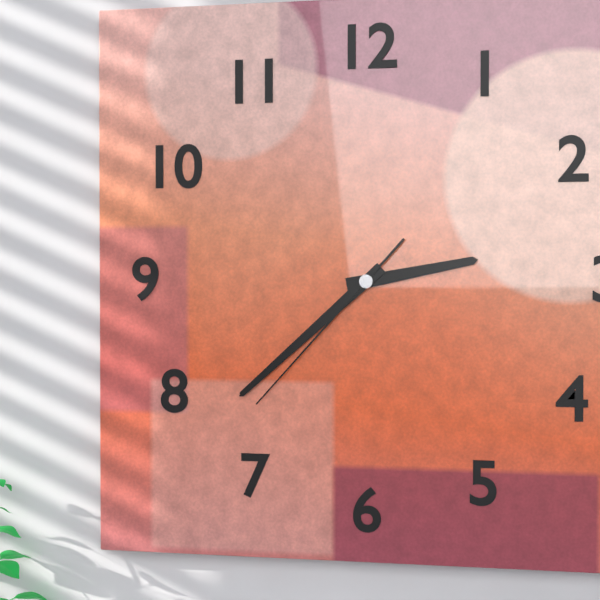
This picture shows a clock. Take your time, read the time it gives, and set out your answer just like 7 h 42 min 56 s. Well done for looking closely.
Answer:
2 h 38 min 37 s
